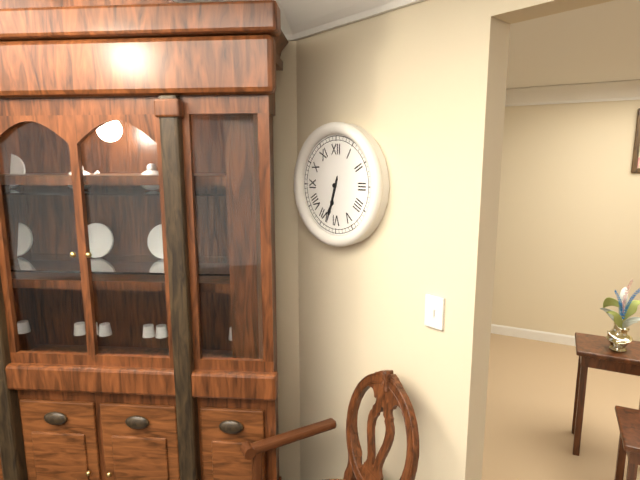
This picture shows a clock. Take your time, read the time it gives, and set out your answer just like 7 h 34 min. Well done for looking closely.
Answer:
6 h 33 min
